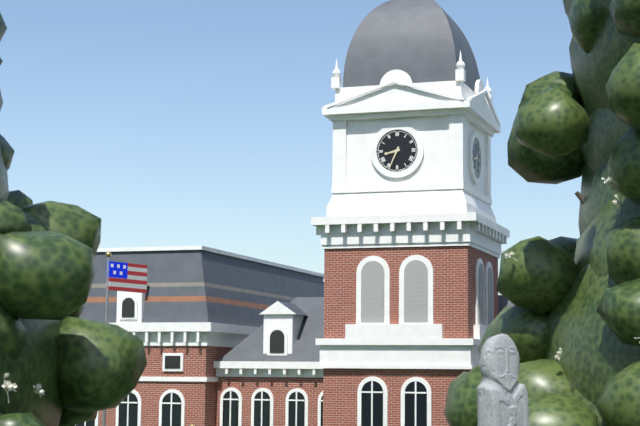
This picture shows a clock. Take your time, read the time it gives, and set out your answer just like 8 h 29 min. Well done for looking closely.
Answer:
8 h 34 min
